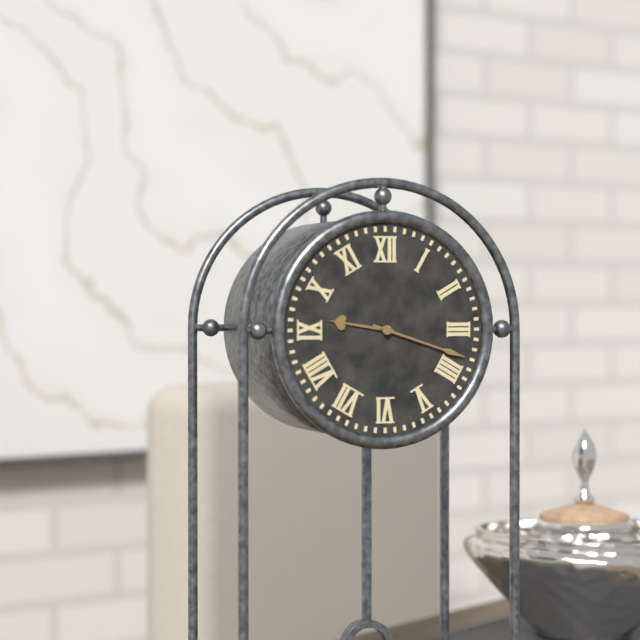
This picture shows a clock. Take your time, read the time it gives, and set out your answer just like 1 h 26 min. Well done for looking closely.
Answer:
9 h 18 min
